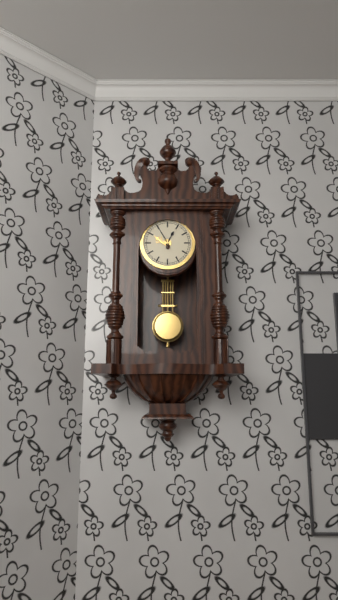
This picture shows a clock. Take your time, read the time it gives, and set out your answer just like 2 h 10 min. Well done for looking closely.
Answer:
12 h 55 min
